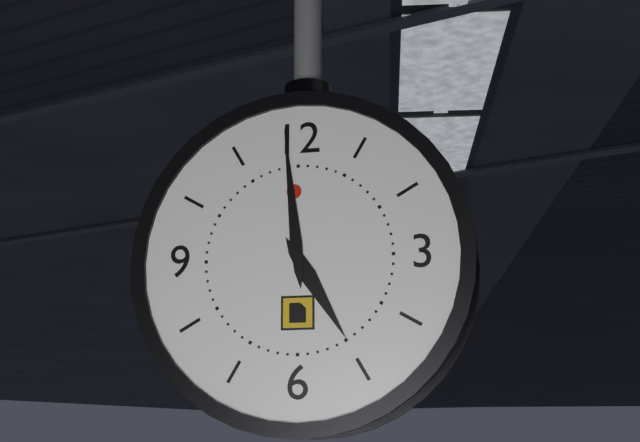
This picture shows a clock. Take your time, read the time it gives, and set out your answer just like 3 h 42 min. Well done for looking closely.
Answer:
4 h 59 min
